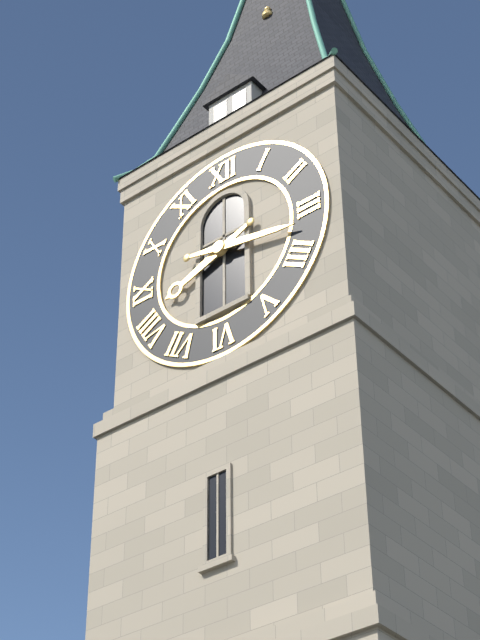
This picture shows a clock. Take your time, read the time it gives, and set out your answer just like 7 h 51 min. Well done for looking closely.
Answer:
8 h 17 min
